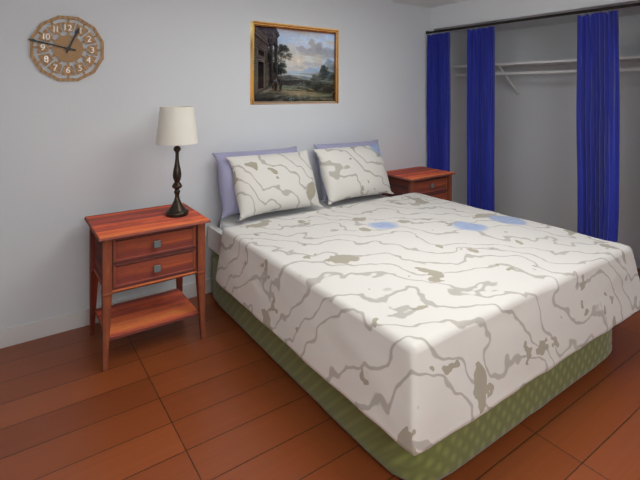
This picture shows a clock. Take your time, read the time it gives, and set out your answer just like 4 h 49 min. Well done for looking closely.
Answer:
12 h 47 min
